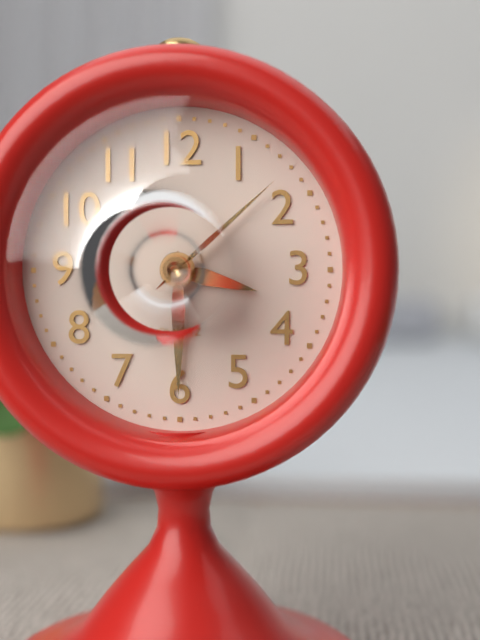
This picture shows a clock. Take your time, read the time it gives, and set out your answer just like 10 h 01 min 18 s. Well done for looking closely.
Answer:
3 h 30 min 08 s
